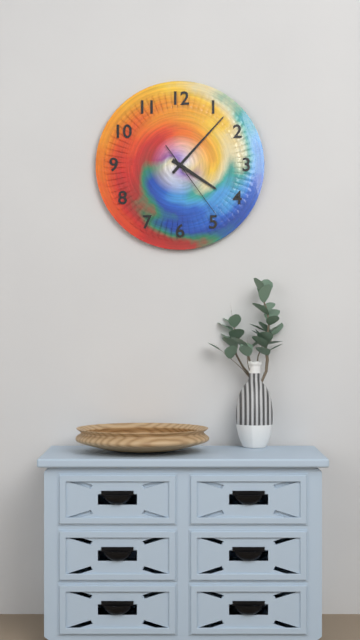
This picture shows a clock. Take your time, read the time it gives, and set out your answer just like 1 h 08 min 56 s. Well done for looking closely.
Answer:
4 h 07 min 24 s
